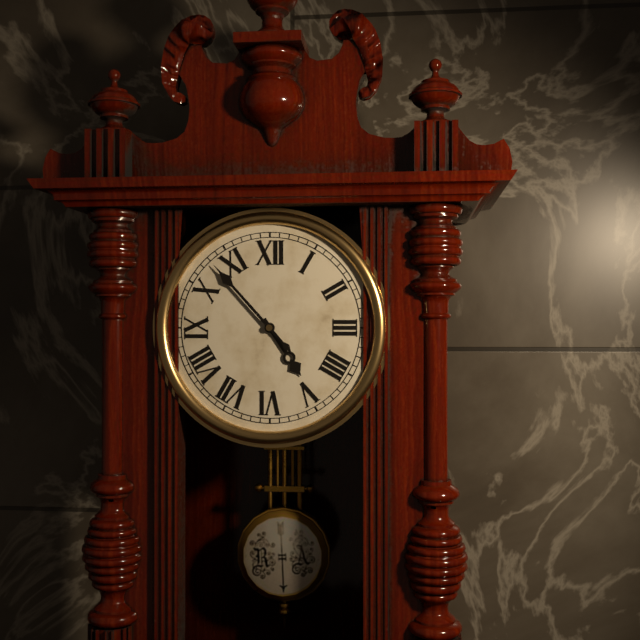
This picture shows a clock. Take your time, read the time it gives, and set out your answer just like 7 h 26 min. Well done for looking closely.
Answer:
4 h 53 min
